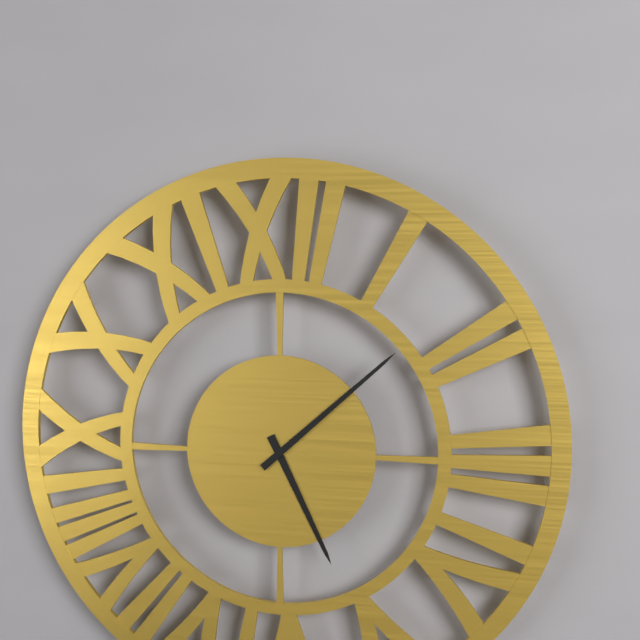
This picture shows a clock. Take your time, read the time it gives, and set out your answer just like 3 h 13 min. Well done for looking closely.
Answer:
5 h 08 min
